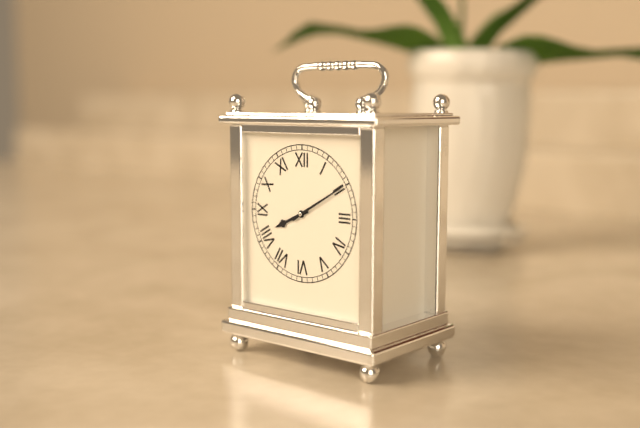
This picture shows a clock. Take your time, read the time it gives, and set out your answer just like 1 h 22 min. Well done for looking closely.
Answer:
8 h 10 min
